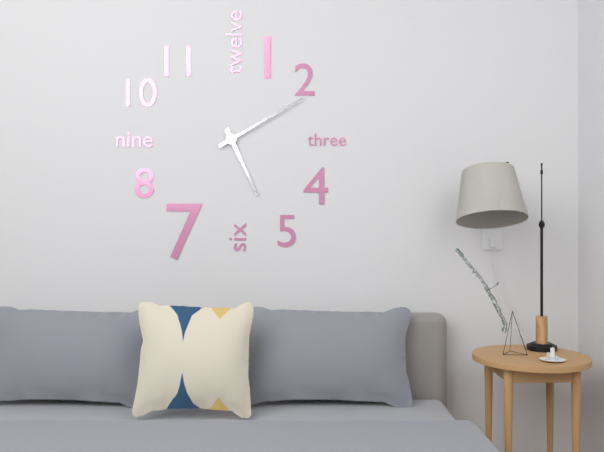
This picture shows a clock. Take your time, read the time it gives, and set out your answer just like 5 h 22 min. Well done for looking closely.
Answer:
5 h 10 min
